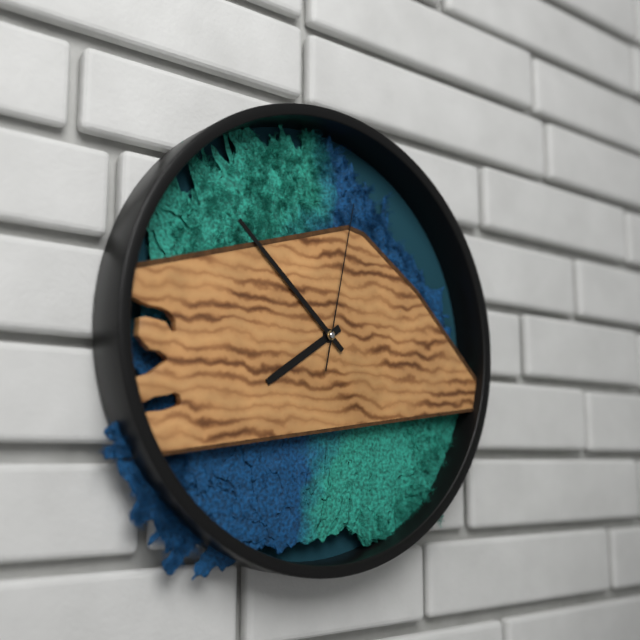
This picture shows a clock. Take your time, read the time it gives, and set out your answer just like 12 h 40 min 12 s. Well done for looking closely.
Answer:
7 h 52 min 02 s
